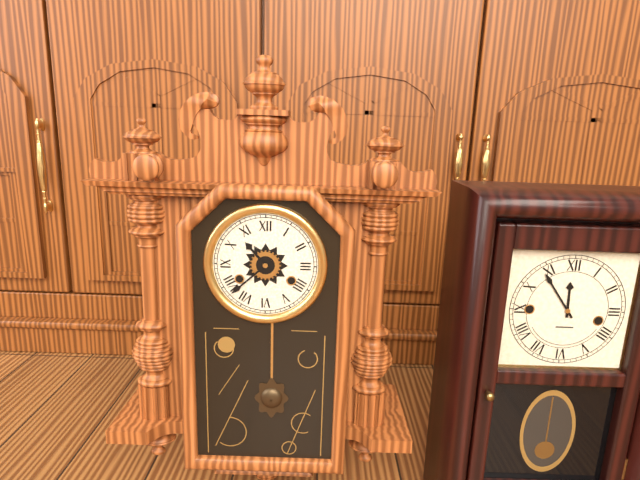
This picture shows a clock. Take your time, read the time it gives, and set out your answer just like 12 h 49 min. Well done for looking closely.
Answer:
10 h 38 min
